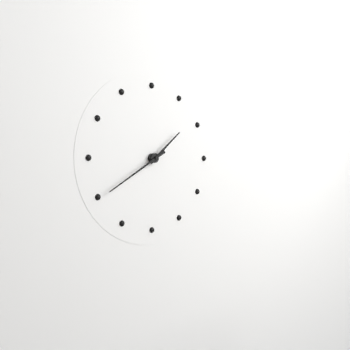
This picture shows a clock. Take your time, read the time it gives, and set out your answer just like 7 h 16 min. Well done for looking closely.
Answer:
1 h 40 min
